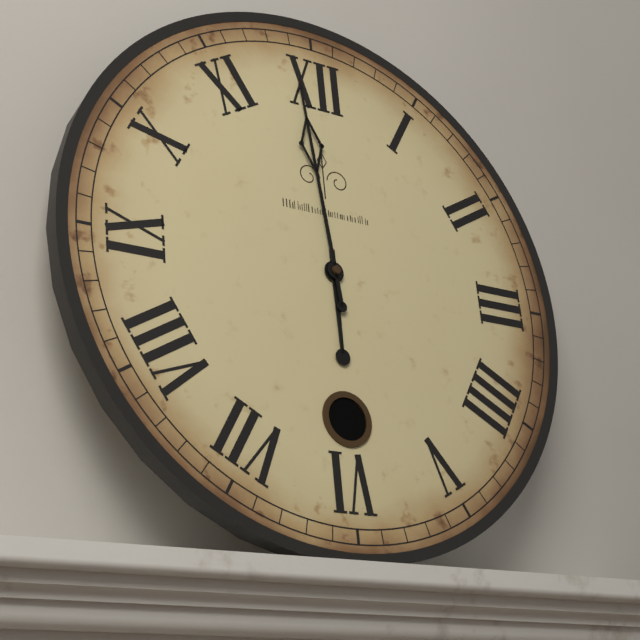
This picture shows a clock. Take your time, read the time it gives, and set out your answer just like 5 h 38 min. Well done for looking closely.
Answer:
5 h 59 min
